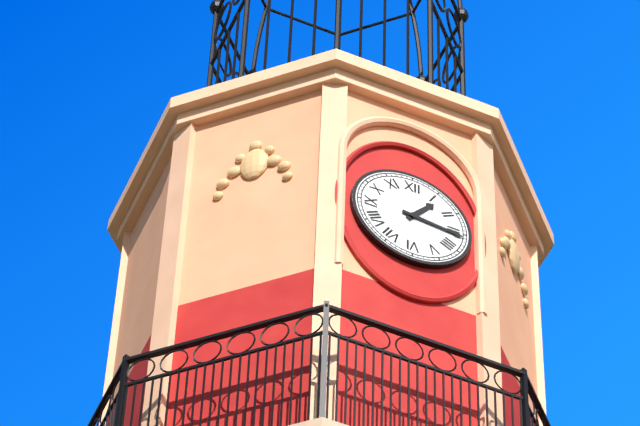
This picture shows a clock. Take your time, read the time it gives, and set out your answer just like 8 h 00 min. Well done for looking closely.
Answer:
1 h 16 min
